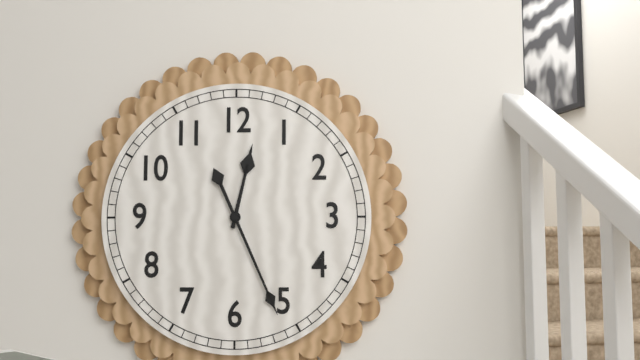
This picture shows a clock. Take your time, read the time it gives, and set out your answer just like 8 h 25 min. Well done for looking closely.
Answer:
12 h 26 min
